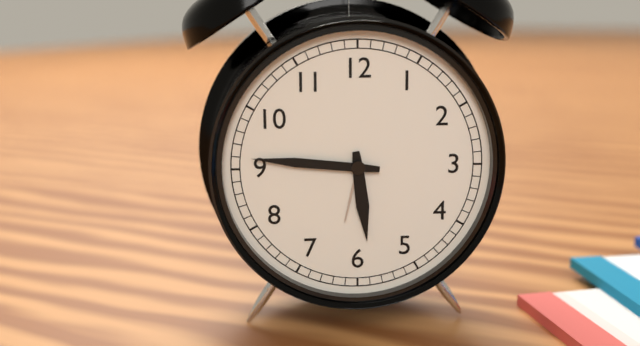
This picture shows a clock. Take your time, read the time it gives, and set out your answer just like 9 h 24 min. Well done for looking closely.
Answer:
5 h 46 min
